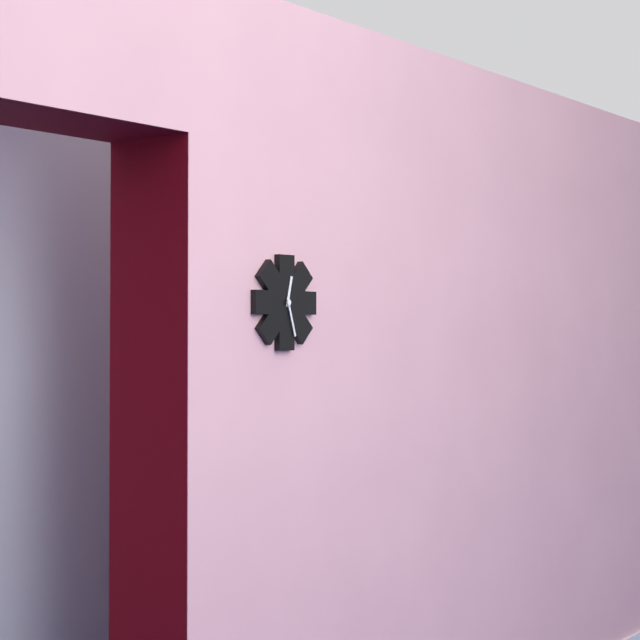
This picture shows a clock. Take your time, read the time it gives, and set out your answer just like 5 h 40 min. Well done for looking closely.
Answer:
12 h 27 min
